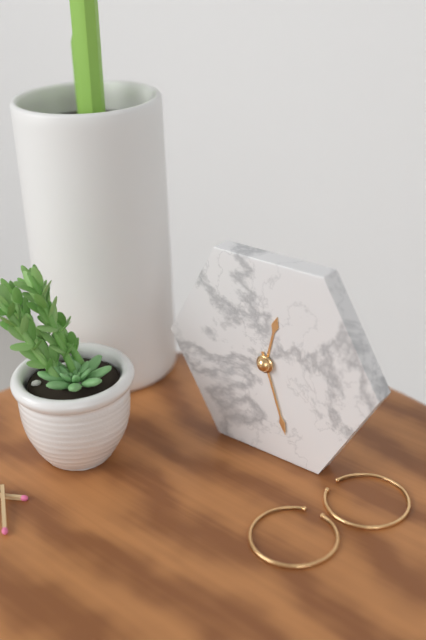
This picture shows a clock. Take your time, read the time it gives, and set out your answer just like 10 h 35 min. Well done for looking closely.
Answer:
12 h 27 min
